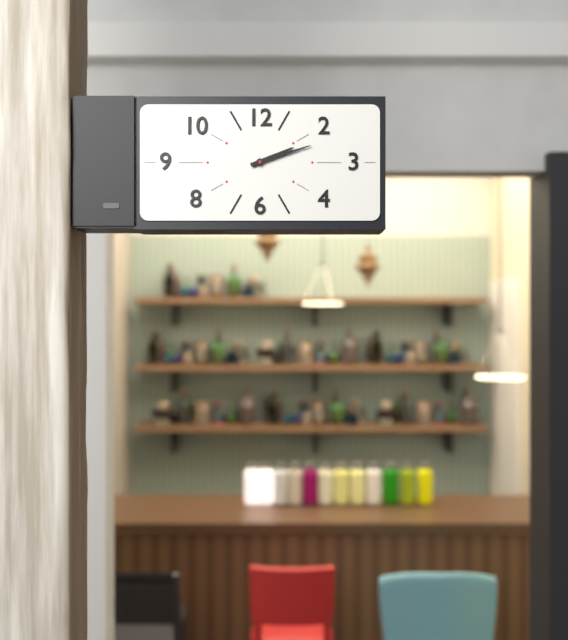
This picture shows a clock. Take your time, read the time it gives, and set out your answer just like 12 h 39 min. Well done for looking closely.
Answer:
2 h 12 min
